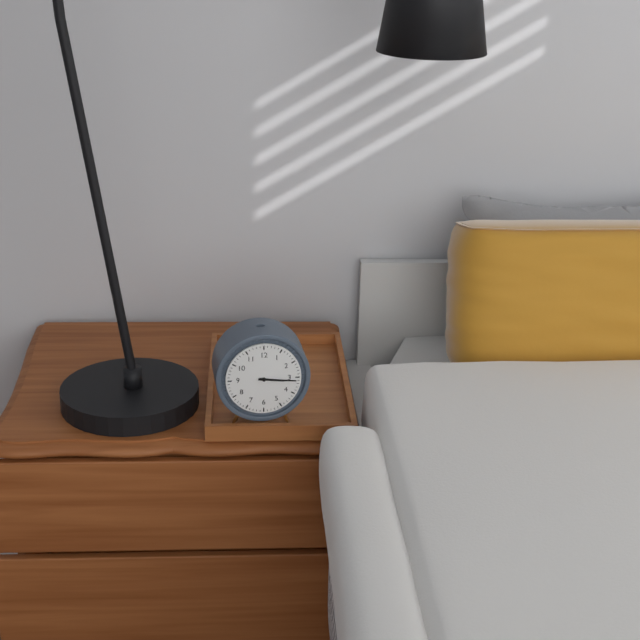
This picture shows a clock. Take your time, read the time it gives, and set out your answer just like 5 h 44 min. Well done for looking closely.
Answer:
3 h 16 min
